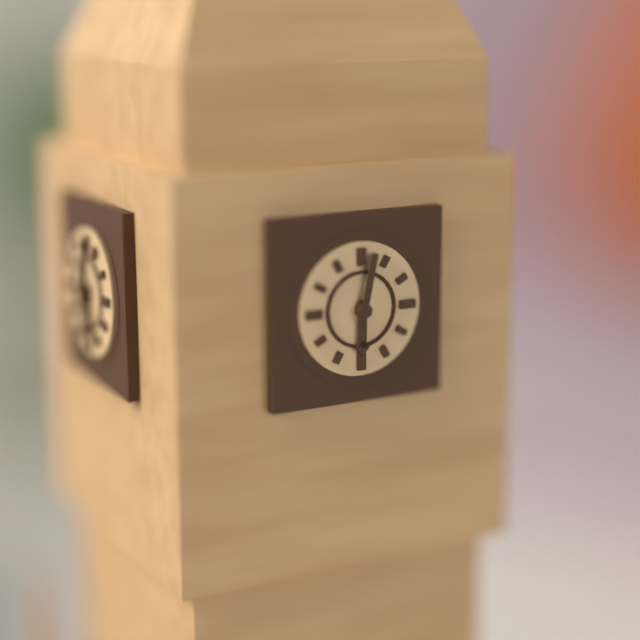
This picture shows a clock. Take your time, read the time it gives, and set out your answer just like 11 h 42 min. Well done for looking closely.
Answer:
6 h 02 min
